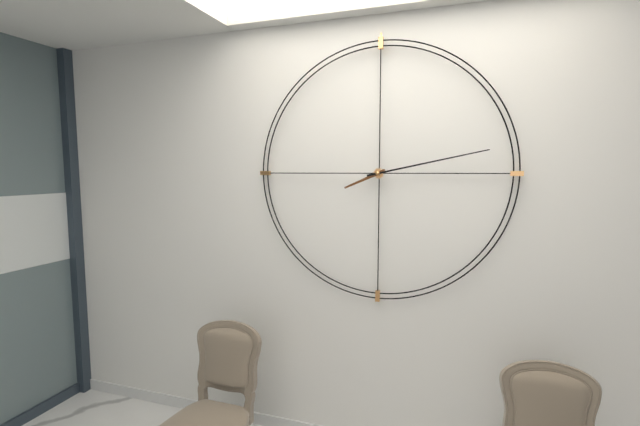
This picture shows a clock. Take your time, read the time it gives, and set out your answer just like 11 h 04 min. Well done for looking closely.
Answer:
8 h 13 min
